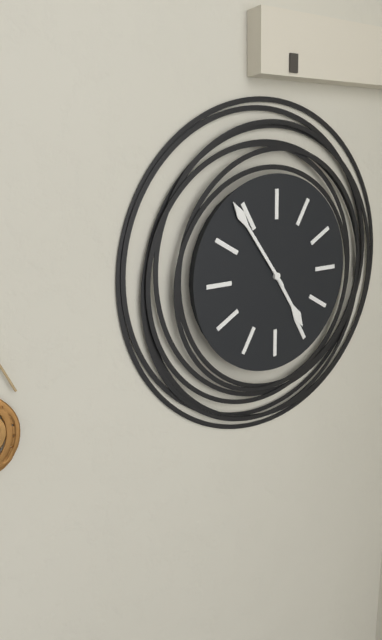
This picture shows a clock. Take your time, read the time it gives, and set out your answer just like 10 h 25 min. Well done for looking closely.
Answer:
4 h 54 min
